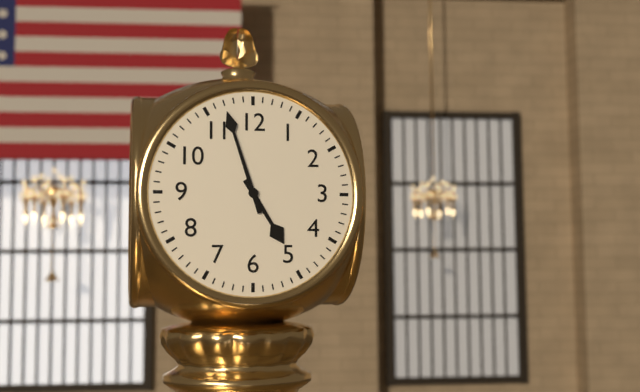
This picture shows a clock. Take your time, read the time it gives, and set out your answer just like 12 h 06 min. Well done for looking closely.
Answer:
4 h 57 min
